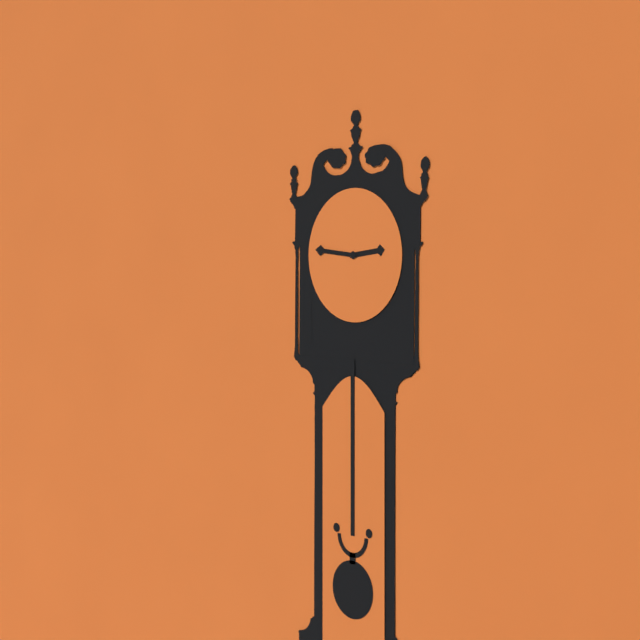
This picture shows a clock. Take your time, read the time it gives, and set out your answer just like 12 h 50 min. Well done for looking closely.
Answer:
2 h 46 min
